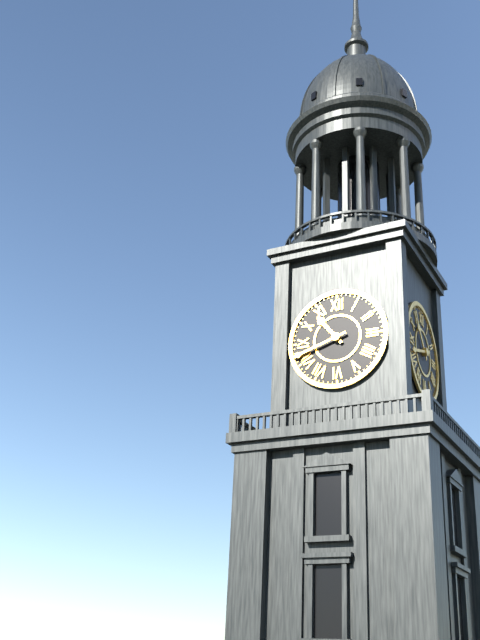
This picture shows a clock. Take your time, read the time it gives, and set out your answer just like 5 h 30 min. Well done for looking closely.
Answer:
10 h 42 min
